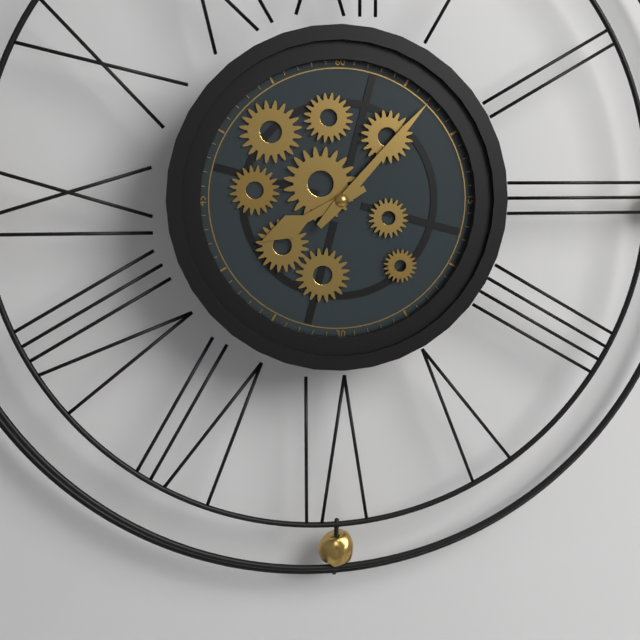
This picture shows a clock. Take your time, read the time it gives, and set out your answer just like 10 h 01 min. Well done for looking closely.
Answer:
8 h 07 min
